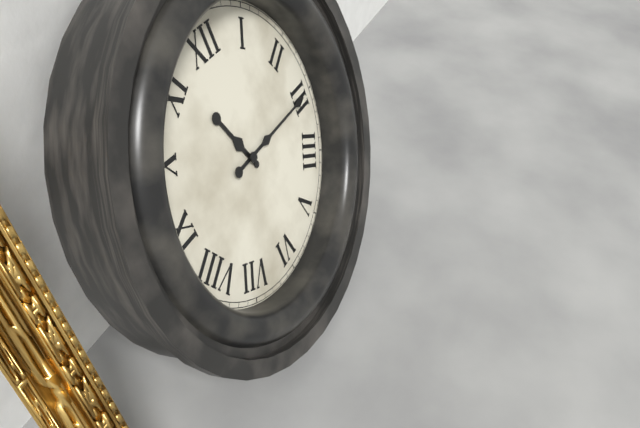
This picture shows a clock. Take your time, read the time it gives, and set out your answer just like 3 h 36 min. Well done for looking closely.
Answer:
11 h 15 min
